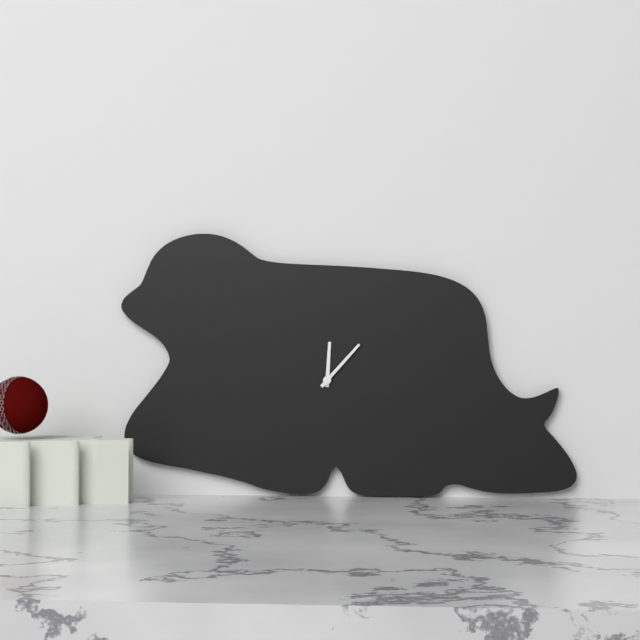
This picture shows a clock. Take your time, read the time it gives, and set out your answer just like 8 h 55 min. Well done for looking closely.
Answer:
12 h 07 min
